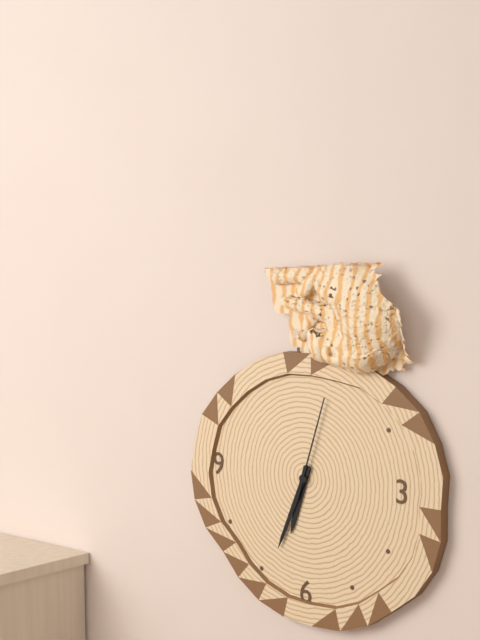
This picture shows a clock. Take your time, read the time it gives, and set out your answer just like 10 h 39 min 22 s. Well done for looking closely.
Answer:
6 h 34 min 03 s
